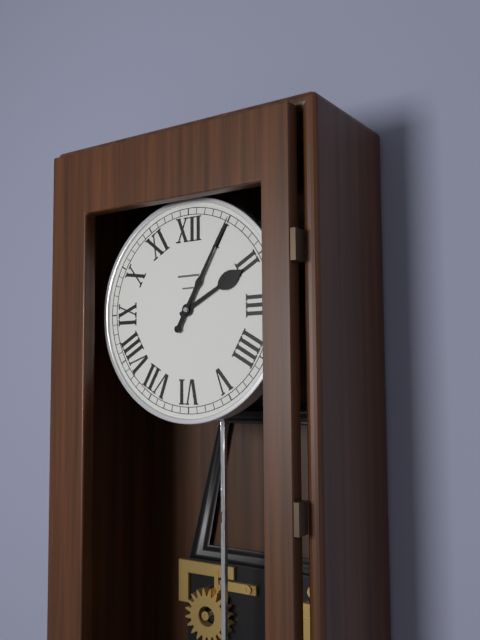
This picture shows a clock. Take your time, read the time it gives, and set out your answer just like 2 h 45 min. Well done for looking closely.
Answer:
2 h 05 min
